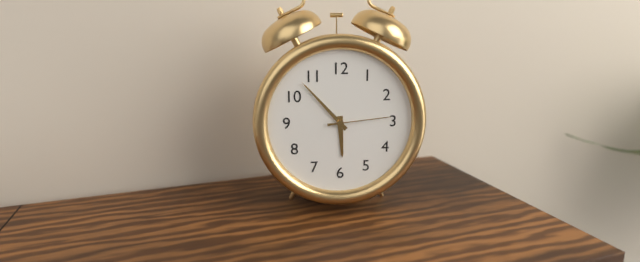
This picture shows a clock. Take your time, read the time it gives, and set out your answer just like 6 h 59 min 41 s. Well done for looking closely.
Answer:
5 h 53 min 14 s
